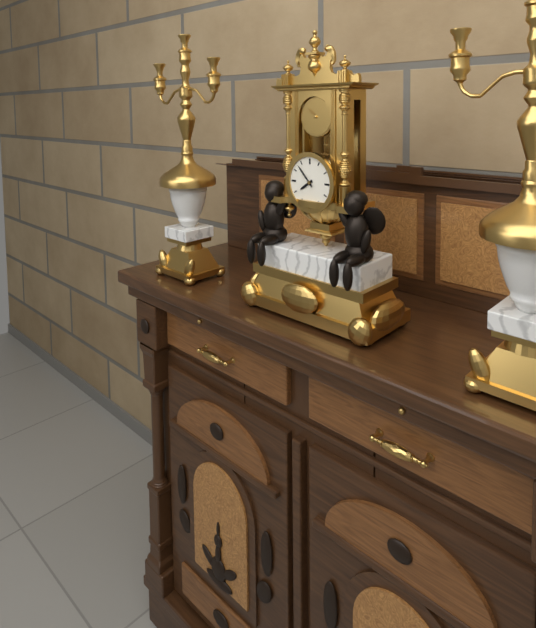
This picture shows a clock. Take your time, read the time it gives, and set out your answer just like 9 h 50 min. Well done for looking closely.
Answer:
7 h 53 min
